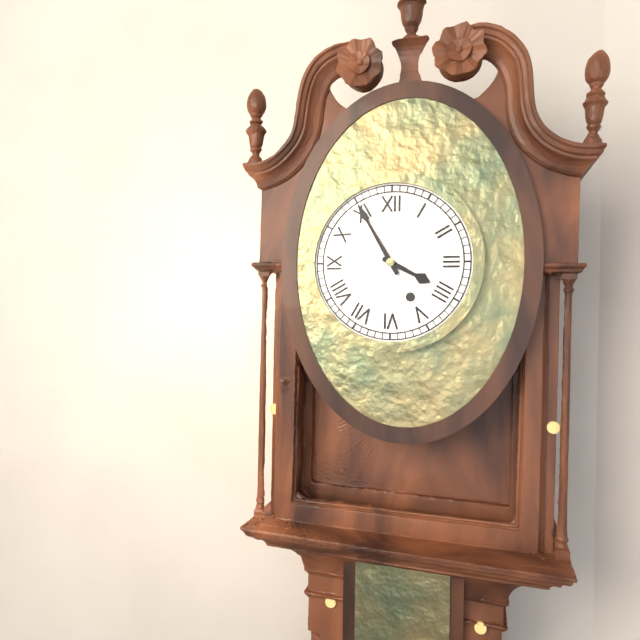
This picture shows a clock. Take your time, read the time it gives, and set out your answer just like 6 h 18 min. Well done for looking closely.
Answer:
3 h 55 min
